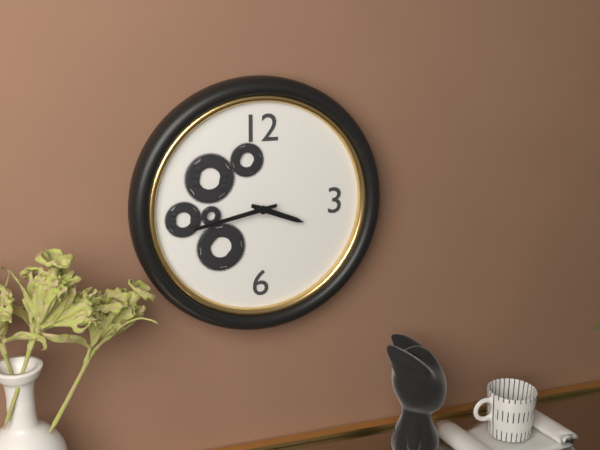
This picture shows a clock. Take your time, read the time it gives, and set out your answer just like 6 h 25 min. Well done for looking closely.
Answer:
3 h 43 min
